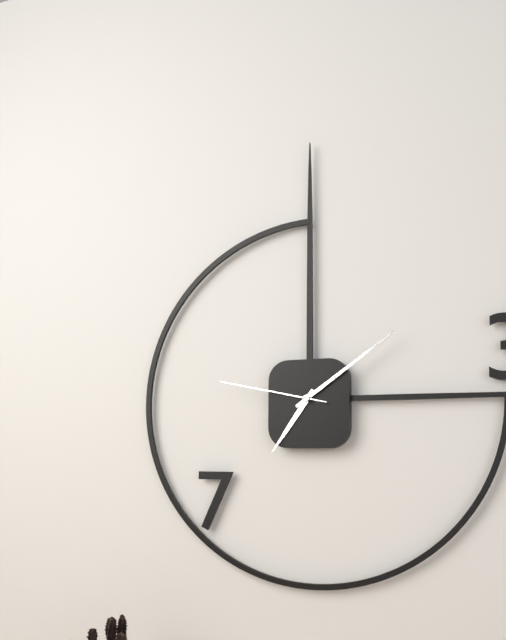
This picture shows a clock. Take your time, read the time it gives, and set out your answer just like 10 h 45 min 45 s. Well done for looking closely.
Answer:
7 h 09 min 47 s
